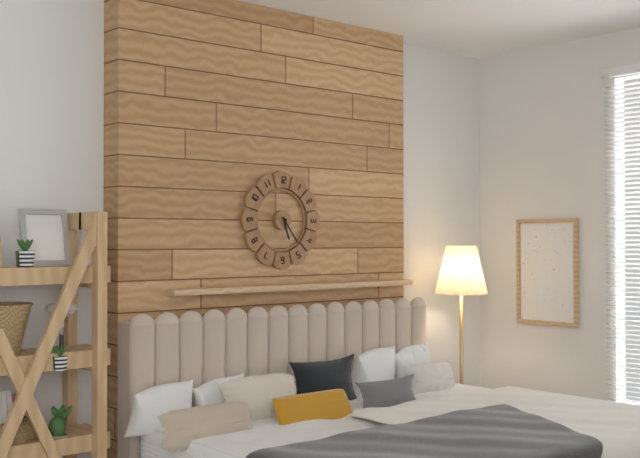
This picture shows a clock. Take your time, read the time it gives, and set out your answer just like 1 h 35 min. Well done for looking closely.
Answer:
5 h 24 min
